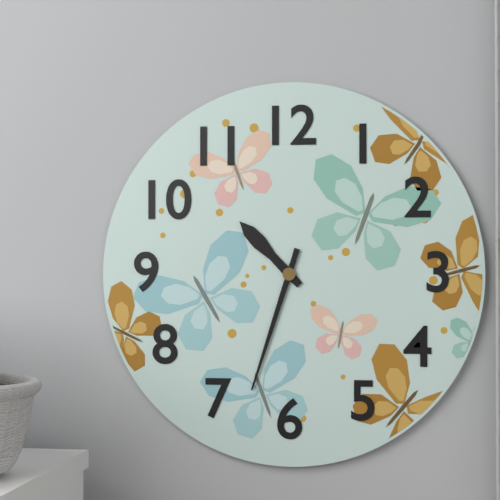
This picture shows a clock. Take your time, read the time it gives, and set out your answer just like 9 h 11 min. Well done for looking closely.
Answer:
10 h 33 min
